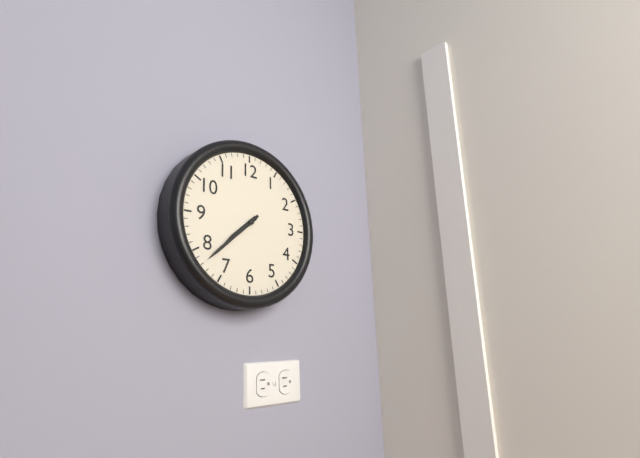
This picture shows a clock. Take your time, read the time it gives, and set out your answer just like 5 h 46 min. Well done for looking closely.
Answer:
7 h 38 min
